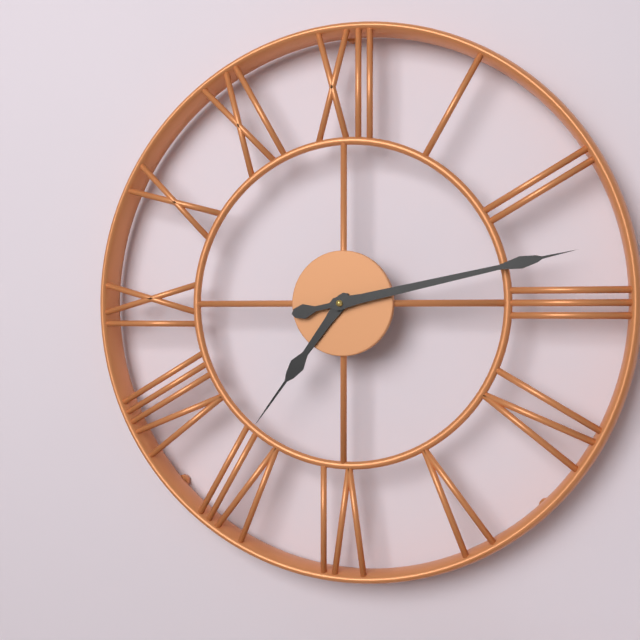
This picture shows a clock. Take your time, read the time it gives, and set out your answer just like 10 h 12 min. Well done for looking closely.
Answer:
7 h 13 min
